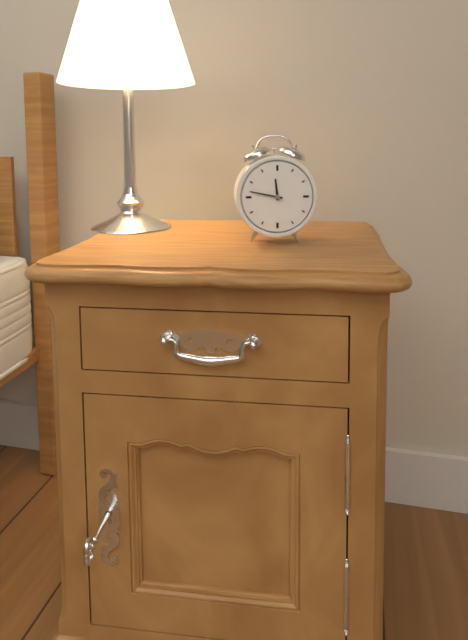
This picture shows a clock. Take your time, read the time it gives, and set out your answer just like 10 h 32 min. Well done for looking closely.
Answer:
11 h 47 min
